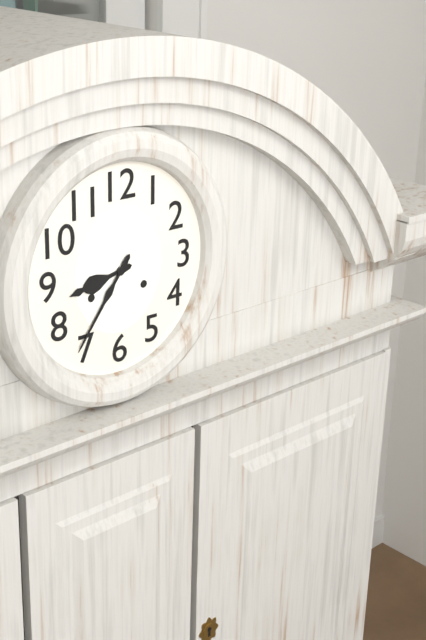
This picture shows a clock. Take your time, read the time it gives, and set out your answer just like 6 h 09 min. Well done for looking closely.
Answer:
8 h 36 min
